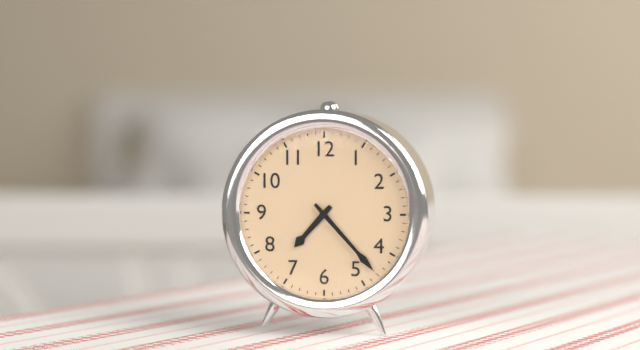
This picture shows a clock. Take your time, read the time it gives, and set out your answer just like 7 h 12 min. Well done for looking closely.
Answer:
7 h 23 min
